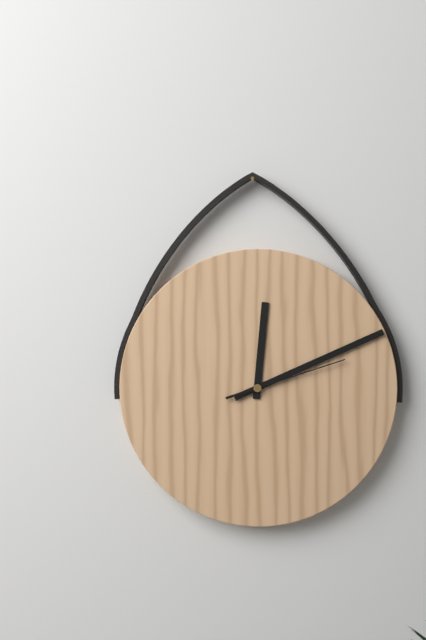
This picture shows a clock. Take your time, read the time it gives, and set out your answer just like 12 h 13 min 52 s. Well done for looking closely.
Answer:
12 h 11 min 12 s
